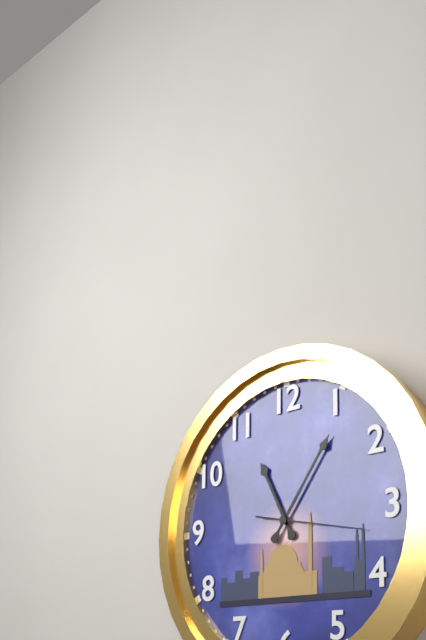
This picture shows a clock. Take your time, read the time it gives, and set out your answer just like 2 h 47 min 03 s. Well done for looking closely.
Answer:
11 h 06 min 17 s
